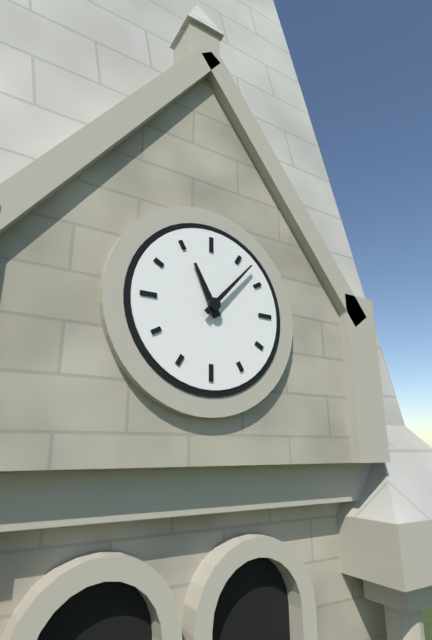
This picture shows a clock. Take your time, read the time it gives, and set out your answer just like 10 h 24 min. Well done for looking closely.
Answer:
11 h 07 min
